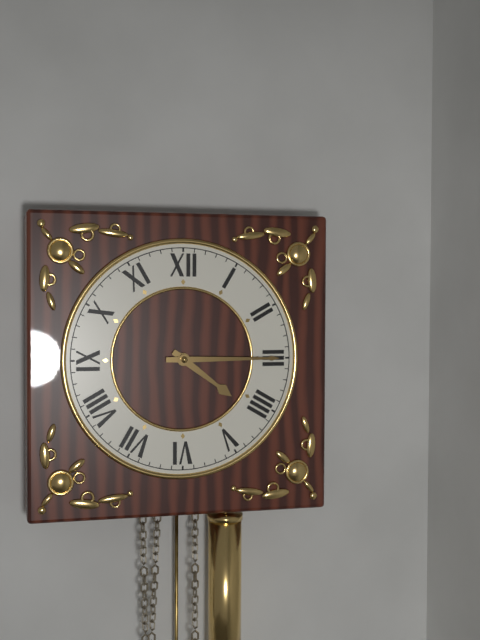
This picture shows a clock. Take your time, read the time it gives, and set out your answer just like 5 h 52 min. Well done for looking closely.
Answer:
4 h 15 min
